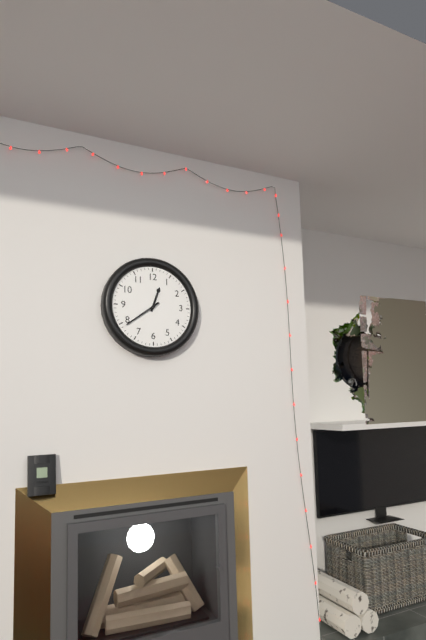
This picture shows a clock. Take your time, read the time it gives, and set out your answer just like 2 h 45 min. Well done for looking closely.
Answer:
12 h 39 min
